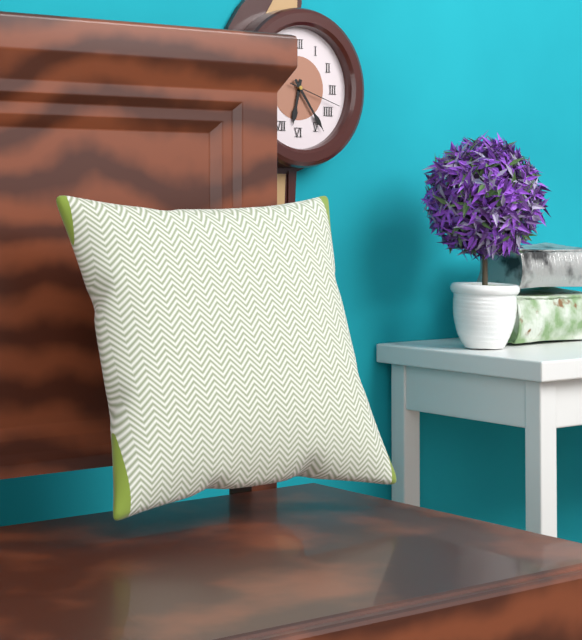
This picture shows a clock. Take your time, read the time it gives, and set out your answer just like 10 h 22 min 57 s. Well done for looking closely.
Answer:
6 h 24 min 18 s
